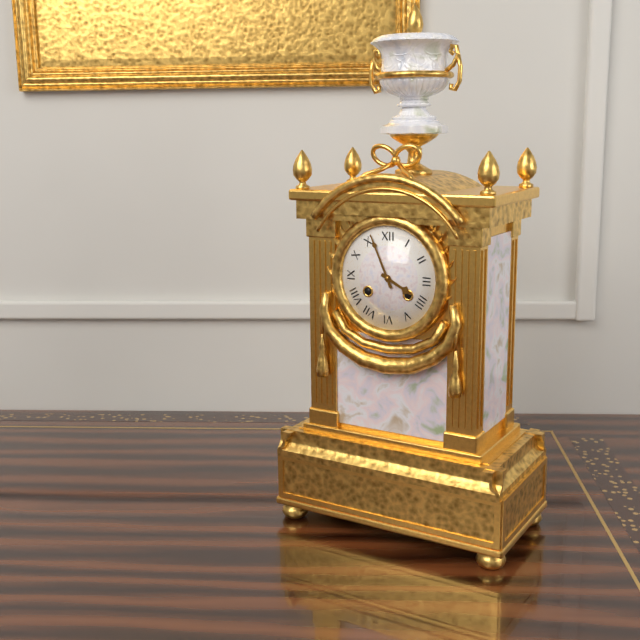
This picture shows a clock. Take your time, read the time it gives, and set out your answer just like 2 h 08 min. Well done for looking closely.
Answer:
3 h 56 min
